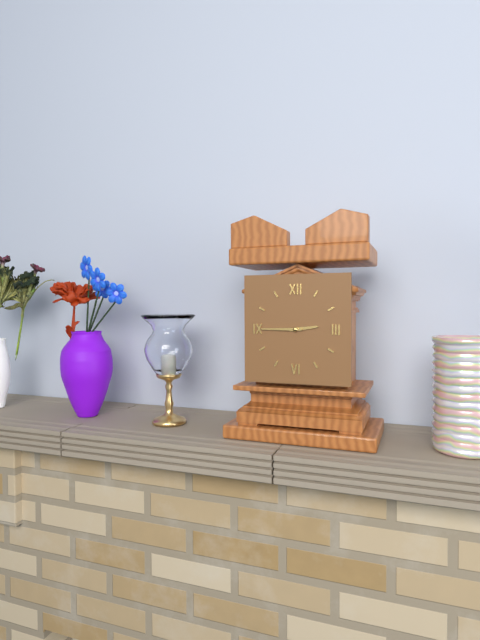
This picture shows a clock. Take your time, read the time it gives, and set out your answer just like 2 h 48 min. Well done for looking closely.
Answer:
2 h 45 min
